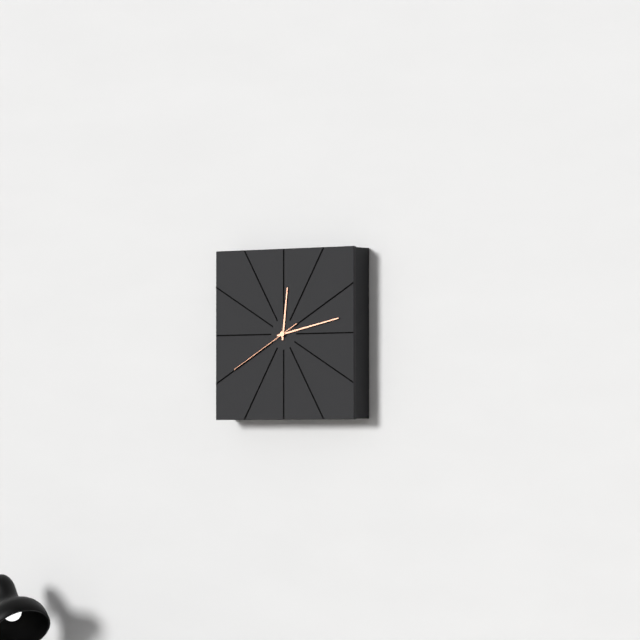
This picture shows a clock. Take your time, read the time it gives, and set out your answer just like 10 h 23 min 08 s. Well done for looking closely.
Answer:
12 h 13 min 40 s
